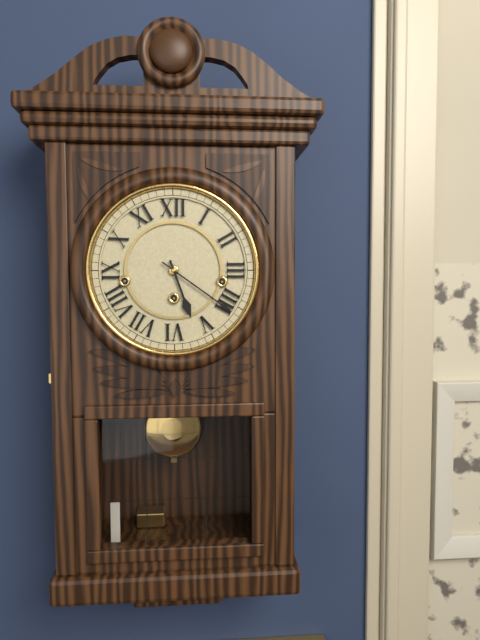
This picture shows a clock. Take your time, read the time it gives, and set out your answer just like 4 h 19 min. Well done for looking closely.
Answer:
5 h 21 min
